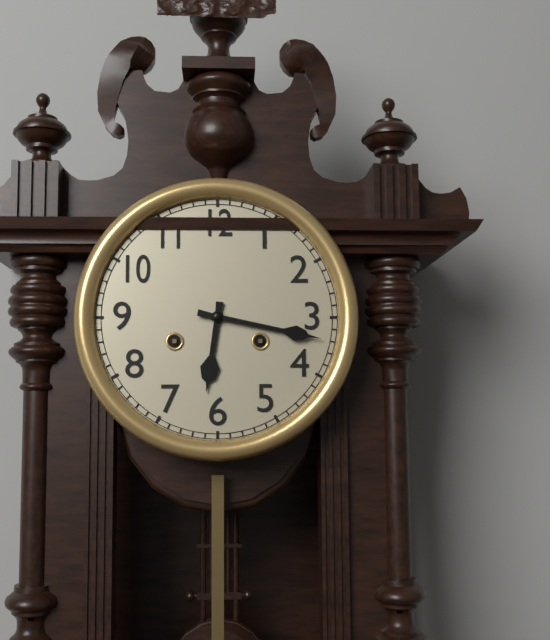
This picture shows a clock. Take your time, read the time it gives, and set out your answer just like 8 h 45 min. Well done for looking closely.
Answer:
6 h 17 min
